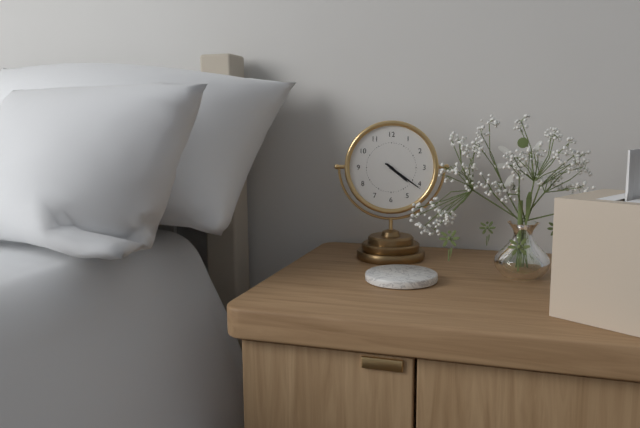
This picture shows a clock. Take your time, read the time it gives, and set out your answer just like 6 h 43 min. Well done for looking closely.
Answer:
4 h 21 min
